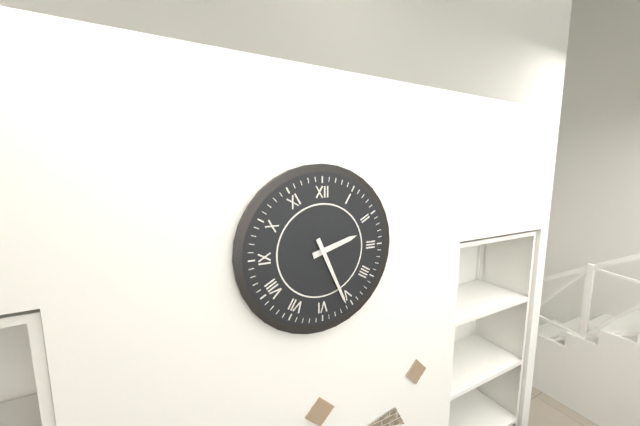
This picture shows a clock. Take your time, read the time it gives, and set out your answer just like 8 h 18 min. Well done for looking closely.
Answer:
2 h 26 min
